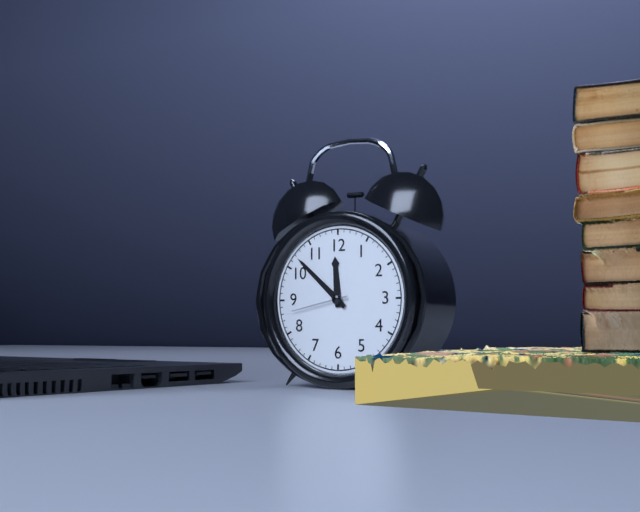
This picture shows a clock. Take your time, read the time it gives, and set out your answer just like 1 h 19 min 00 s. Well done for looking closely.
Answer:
11 h 52 min 43 s
